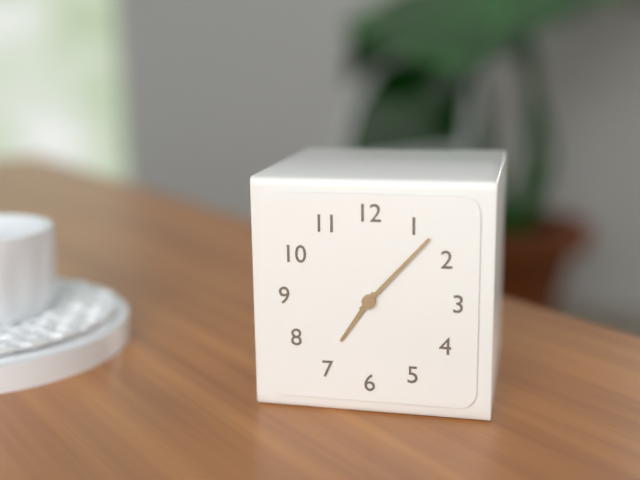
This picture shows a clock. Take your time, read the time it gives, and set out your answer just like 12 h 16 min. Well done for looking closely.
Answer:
7 h 07 min
